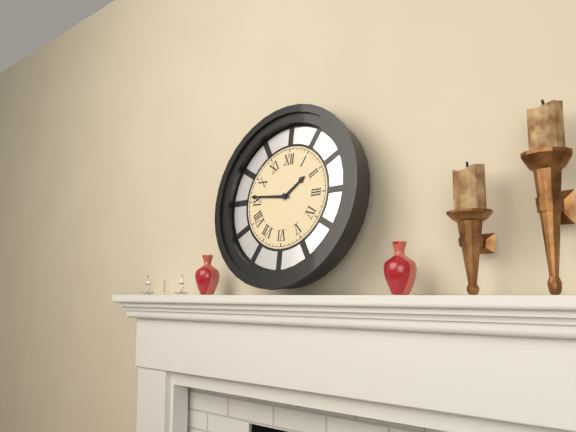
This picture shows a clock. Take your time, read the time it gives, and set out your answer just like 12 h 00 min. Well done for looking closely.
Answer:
1 h 46 min
